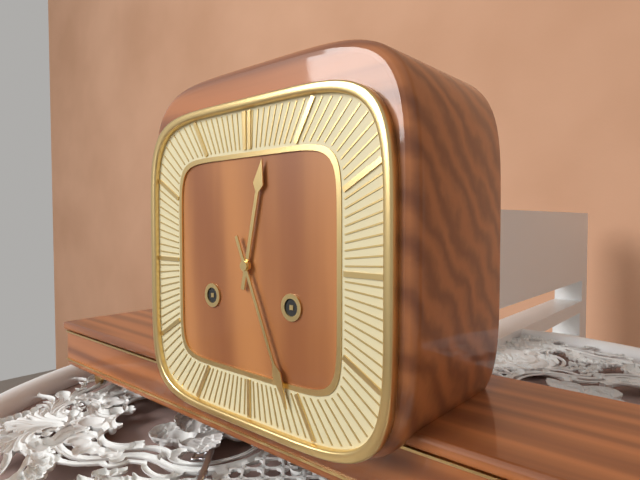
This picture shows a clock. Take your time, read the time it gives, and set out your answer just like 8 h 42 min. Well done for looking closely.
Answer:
12 h 26 min
